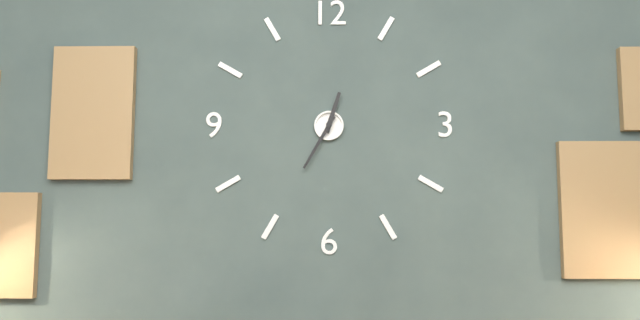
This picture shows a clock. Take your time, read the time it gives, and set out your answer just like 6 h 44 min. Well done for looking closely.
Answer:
12 h 35 min
